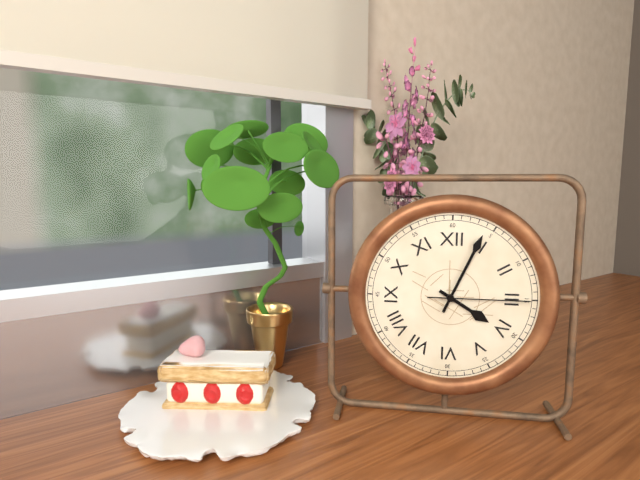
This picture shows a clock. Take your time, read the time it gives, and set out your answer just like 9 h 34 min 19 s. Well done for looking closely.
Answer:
4 h 04 min 15 s
